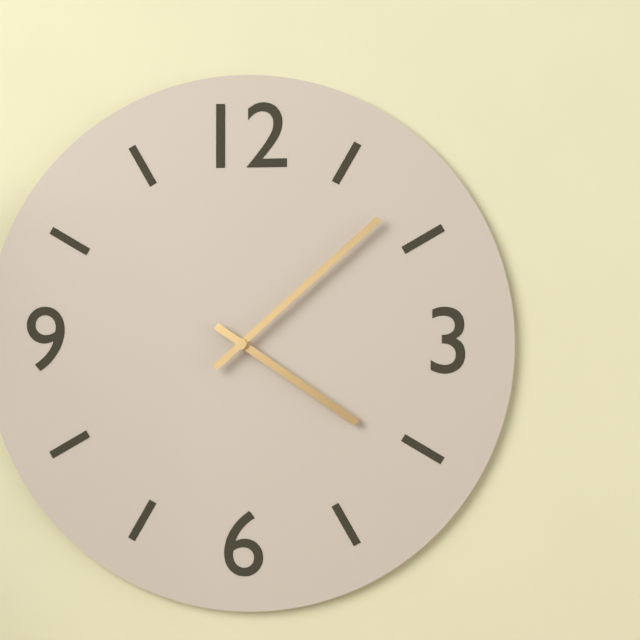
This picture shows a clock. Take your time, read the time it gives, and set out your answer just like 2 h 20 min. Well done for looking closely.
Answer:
4 h 08 min
